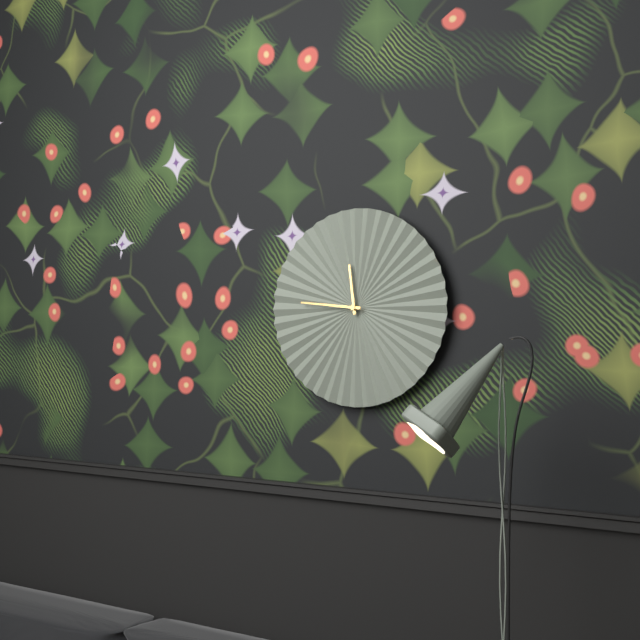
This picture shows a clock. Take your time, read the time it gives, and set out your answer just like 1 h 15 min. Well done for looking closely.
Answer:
11 h 46 min
